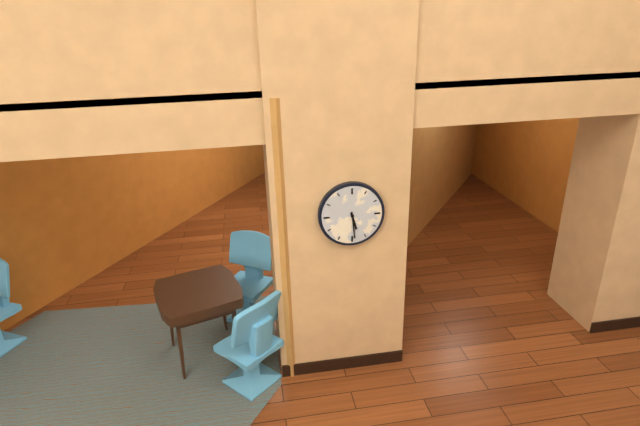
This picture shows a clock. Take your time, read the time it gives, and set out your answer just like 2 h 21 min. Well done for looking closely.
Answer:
5 h 29 min
